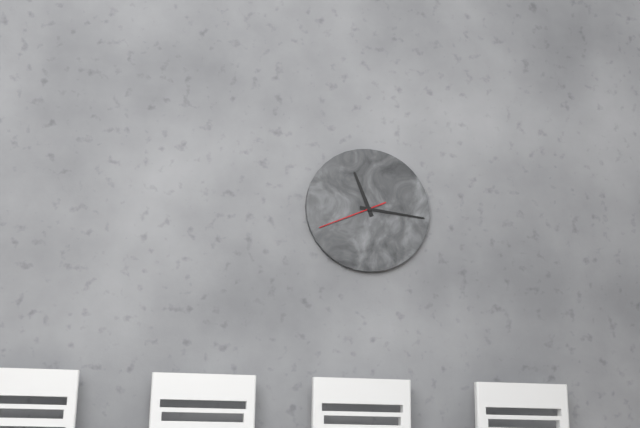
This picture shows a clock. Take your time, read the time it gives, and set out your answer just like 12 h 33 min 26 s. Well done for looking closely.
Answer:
11 h 16 min 41 s
